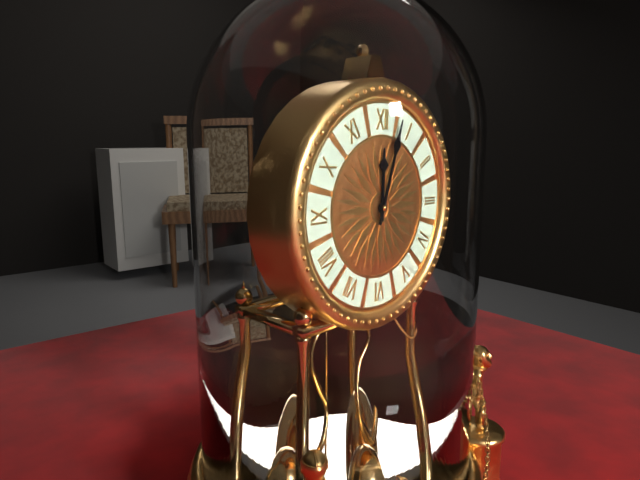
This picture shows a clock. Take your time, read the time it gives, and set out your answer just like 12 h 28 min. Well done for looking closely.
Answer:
12 h 03 min
